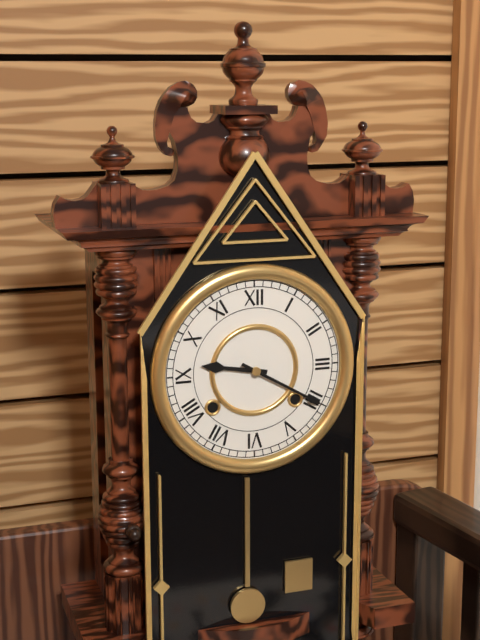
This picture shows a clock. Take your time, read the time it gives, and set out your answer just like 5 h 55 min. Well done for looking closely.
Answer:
9 h 20 min
